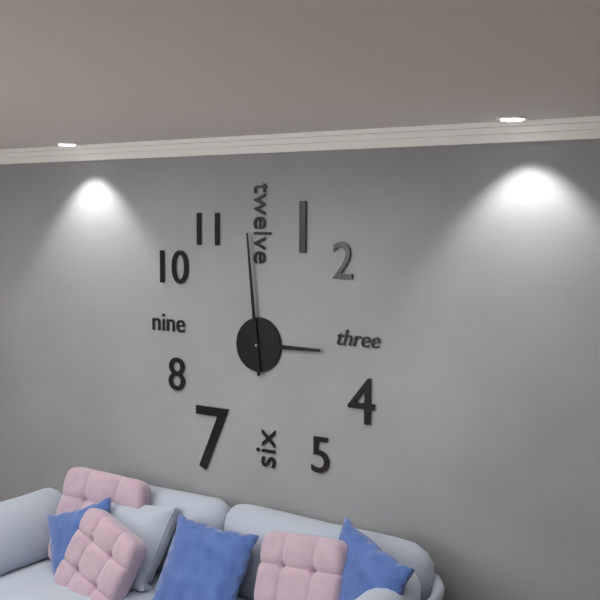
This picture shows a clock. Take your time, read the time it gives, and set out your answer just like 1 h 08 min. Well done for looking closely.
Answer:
2 h 59 min
